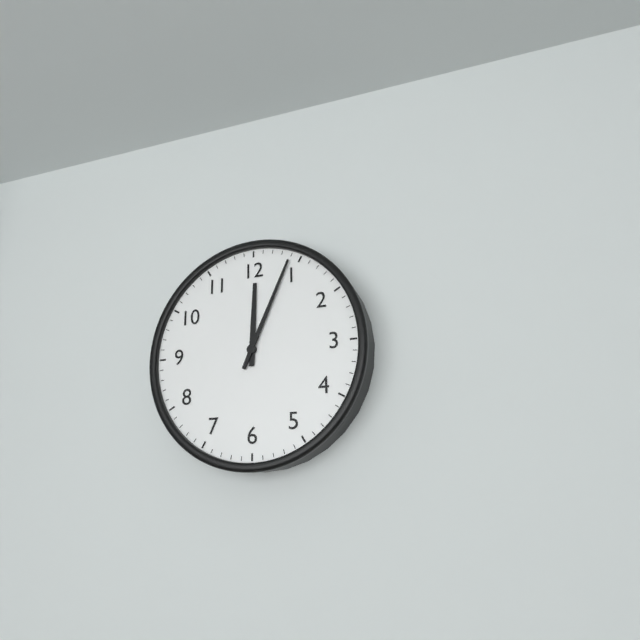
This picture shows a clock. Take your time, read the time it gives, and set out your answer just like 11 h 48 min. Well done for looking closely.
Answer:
12 h 04 min
